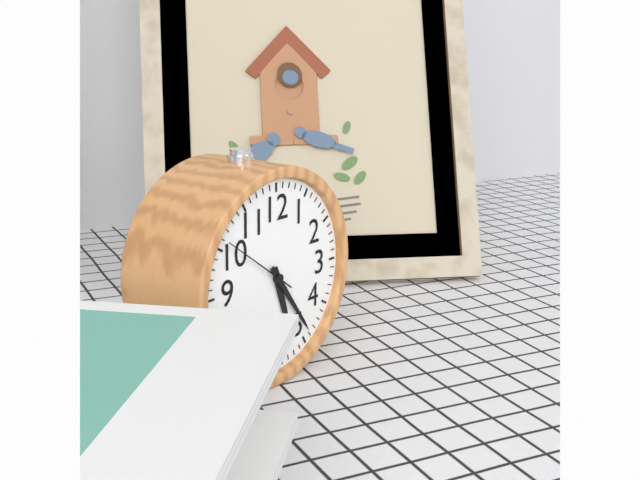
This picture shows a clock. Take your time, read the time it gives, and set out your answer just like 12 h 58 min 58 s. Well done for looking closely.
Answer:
5 h 24 min 51 s
